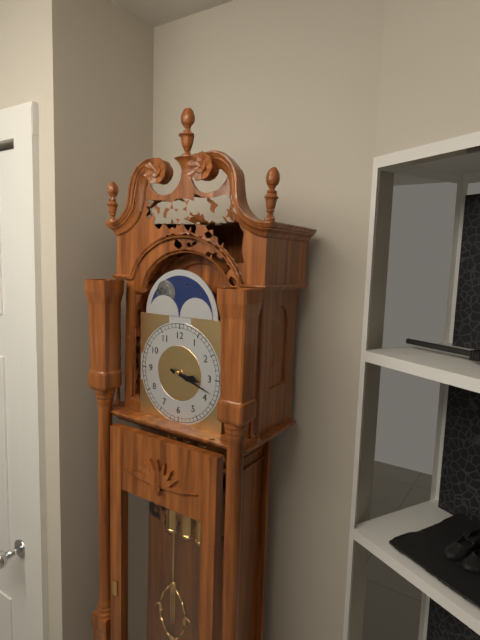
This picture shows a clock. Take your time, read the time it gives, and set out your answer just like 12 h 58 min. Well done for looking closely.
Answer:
3 h 18 min
